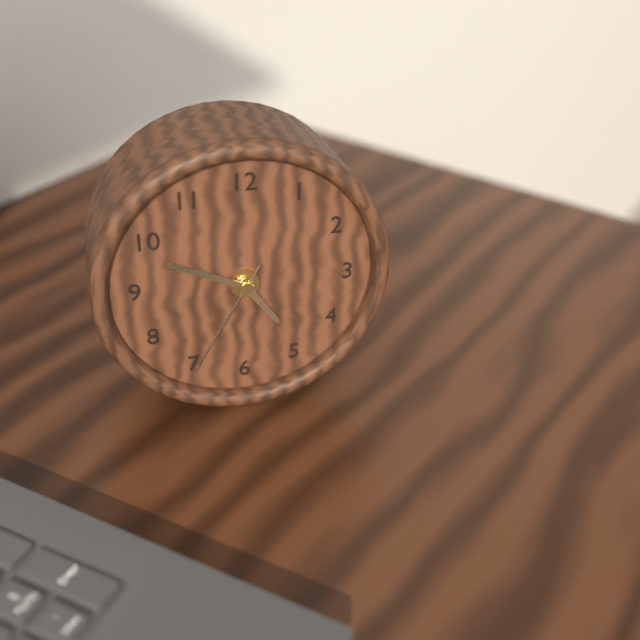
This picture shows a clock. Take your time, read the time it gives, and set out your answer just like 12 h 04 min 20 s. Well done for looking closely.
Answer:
4 h 49 min 35 s
